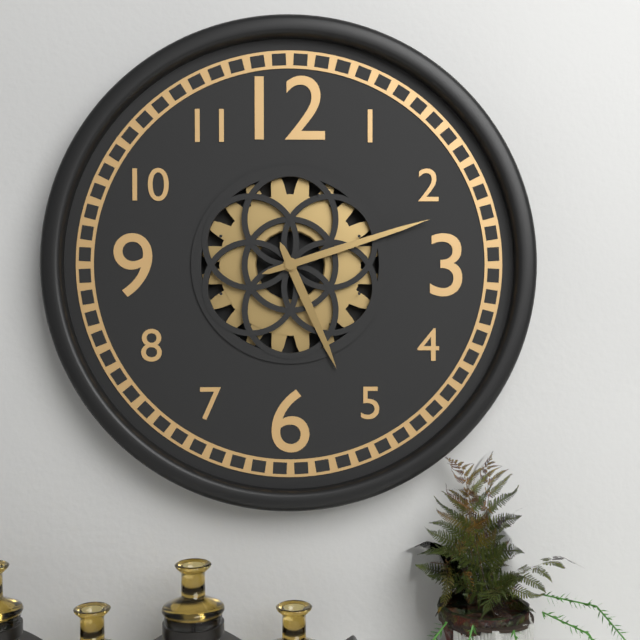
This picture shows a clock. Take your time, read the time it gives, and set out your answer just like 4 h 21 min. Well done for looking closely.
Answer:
5 h 12 min
